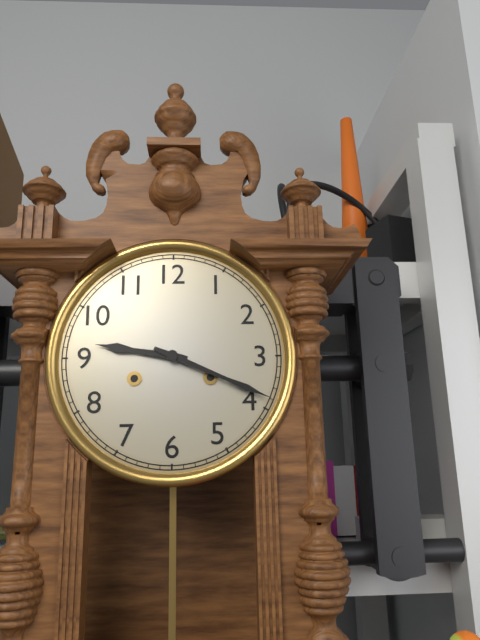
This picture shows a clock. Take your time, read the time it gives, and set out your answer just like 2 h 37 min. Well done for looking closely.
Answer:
9 h 19 min
